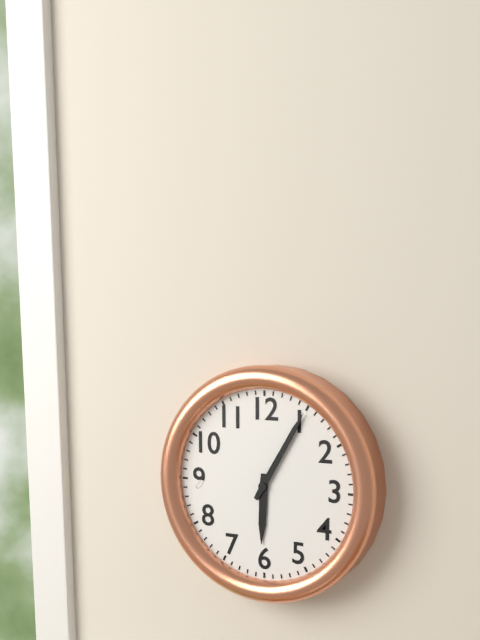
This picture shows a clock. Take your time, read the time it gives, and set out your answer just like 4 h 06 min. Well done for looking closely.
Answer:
6 h 05 min
